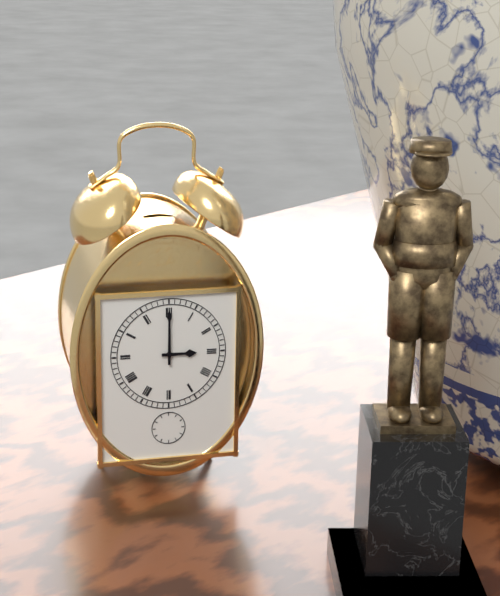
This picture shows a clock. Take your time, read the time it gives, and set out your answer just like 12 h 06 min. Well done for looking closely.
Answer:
3 h 00 min
